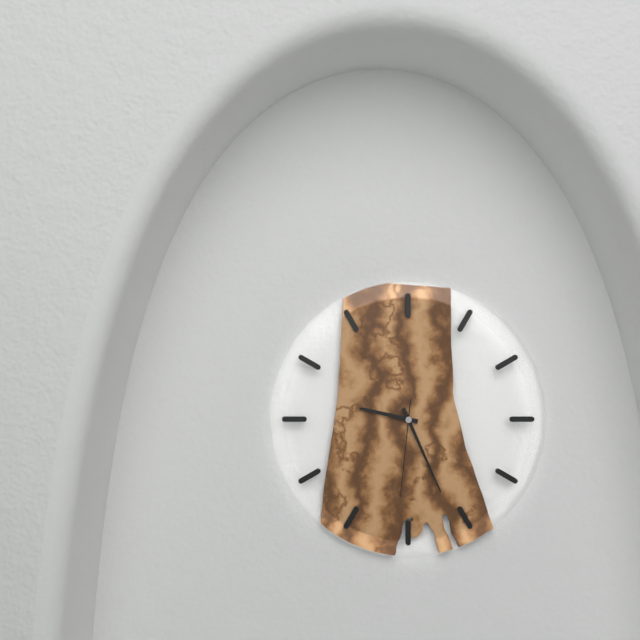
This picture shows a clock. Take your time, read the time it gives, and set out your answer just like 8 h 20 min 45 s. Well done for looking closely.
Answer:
9 h 26 min 31 s
